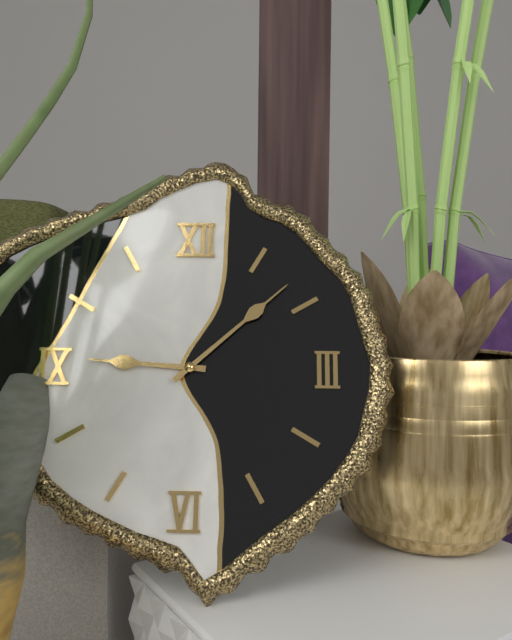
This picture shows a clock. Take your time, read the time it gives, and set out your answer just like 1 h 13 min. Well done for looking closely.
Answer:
9 h 08 min
